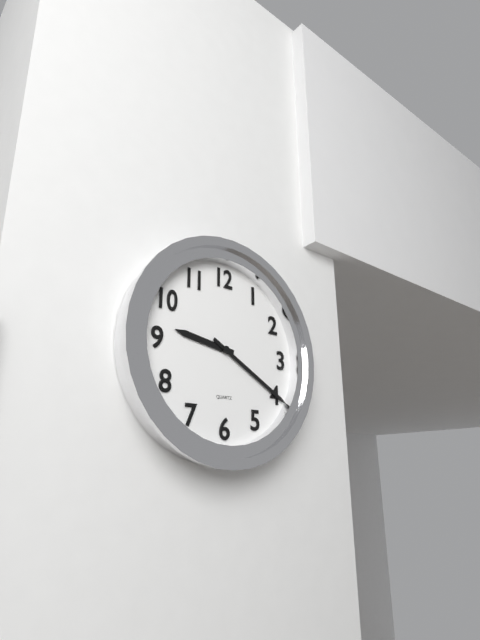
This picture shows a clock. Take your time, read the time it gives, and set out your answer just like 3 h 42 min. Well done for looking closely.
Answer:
9 h 20 min
